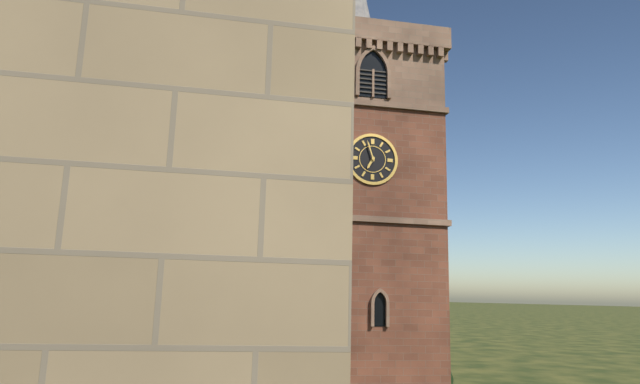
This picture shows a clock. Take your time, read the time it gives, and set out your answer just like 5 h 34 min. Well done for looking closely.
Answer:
6 h 57 min
